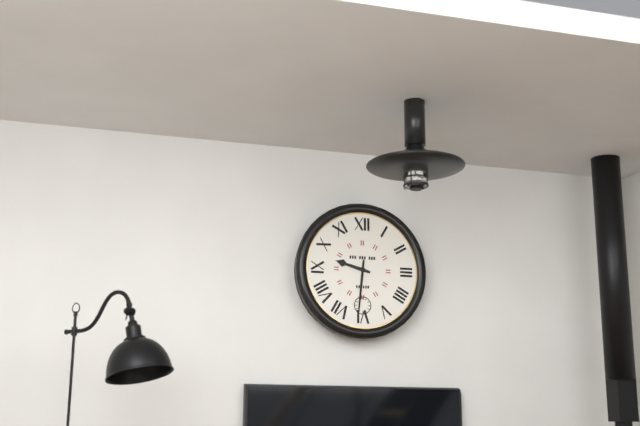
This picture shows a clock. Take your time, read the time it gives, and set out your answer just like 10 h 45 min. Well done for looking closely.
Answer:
9 h 31 min
